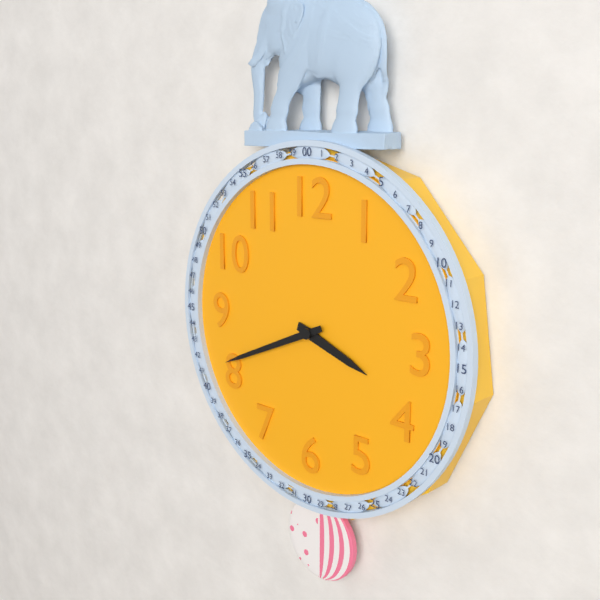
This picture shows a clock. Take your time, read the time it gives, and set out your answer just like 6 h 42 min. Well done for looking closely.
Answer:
3 h 41 min
